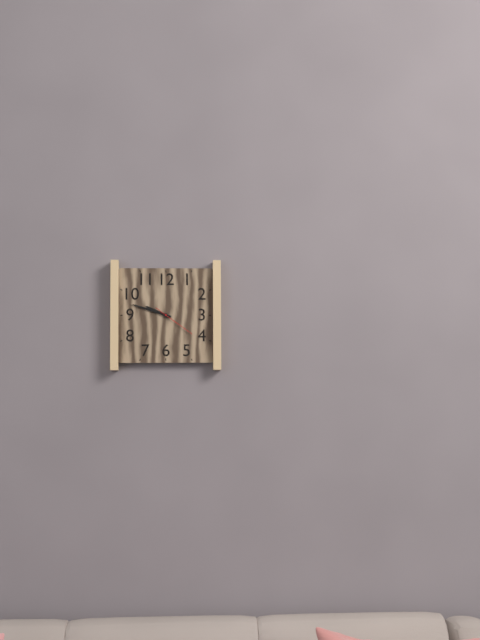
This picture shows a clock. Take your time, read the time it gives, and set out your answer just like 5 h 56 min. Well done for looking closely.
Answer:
9 h 48 min
